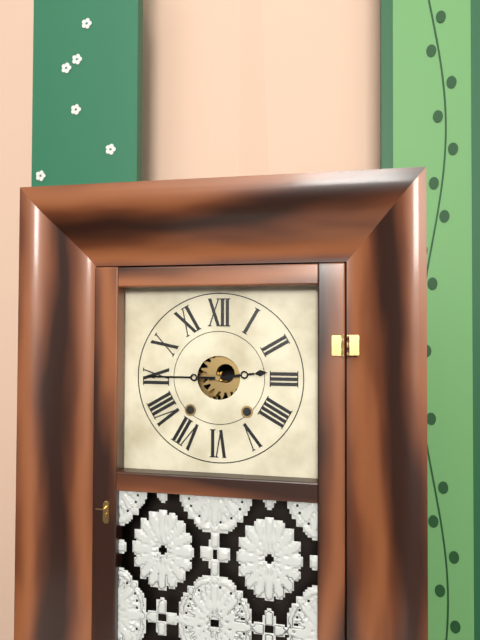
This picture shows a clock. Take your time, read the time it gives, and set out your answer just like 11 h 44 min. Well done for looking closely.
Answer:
2 h 45 min
